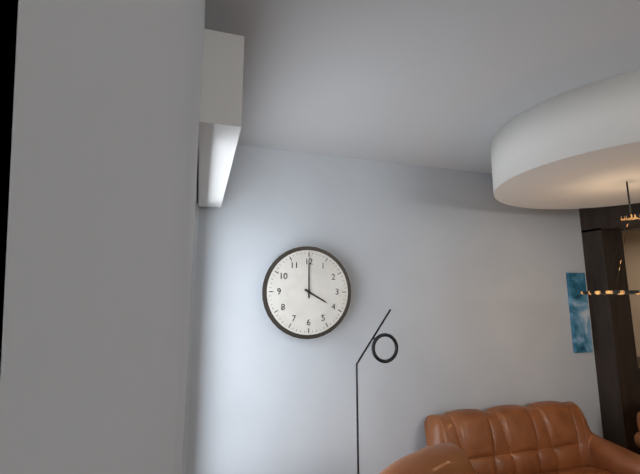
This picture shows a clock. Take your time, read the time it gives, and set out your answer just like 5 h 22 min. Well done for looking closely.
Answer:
4 h 00 min
